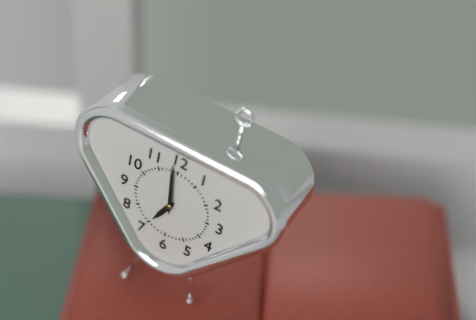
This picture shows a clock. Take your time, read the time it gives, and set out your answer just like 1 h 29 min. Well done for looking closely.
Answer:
6 h 59 min
